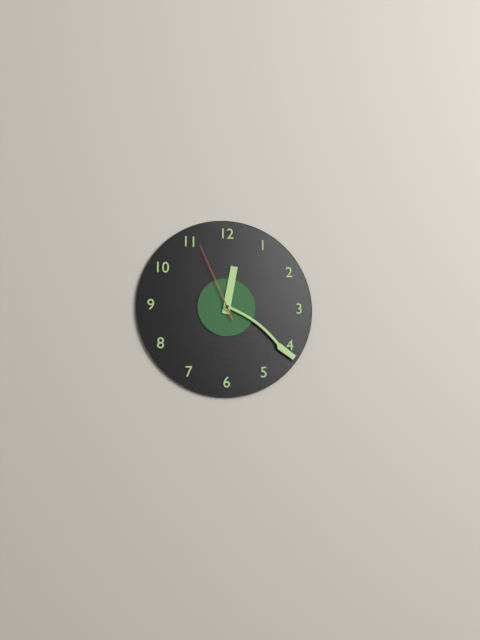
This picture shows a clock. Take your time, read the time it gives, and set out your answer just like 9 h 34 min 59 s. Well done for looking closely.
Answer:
12 h 21 min 56 s
